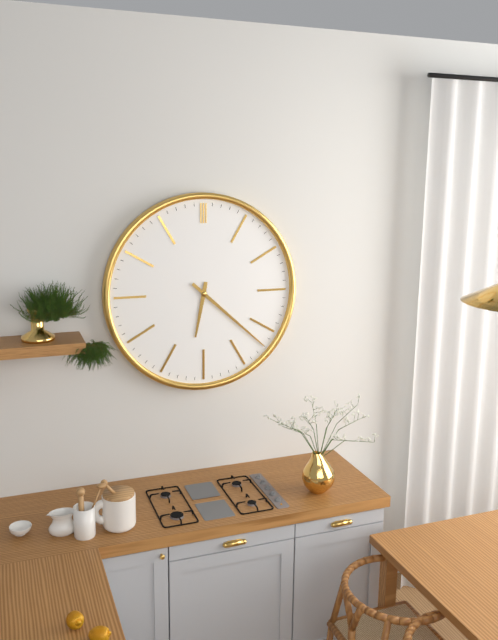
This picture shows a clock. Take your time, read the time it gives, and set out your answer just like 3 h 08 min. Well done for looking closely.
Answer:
6 h 22 min
